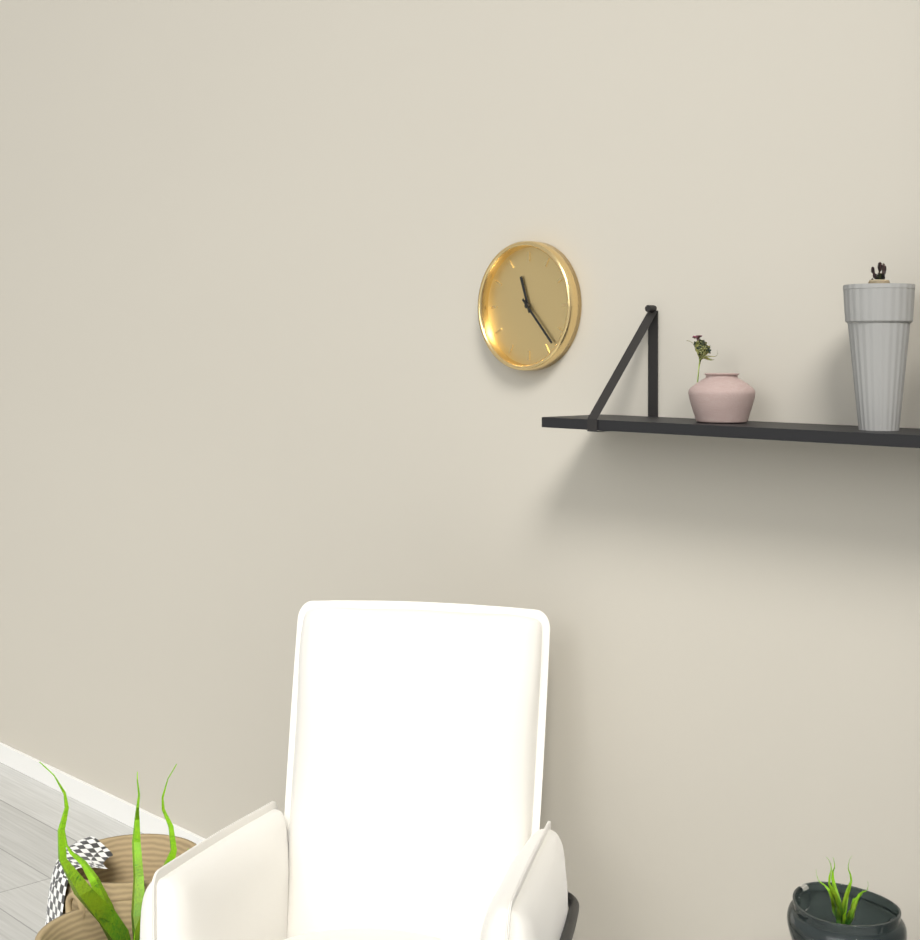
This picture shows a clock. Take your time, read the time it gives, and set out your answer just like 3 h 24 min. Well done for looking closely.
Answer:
11 h 23 min
